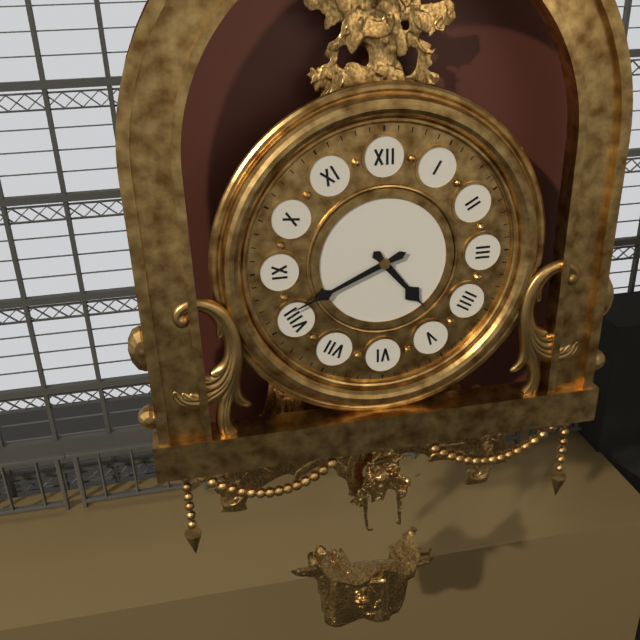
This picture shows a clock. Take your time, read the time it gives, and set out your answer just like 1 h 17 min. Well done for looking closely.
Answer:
4 h 41 min
